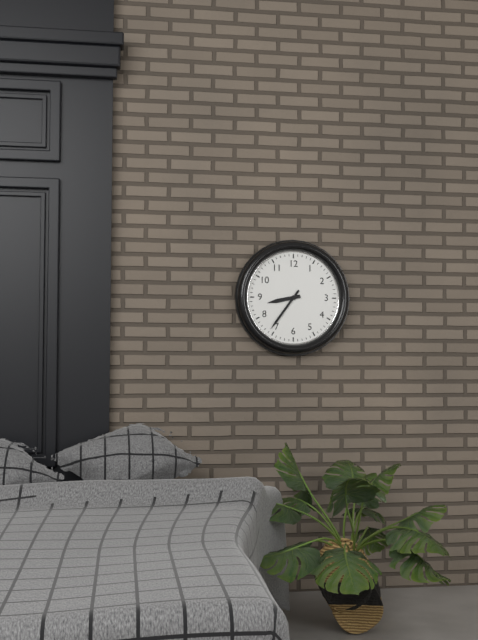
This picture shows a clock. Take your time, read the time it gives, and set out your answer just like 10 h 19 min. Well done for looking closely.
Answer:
8 h 36 min
